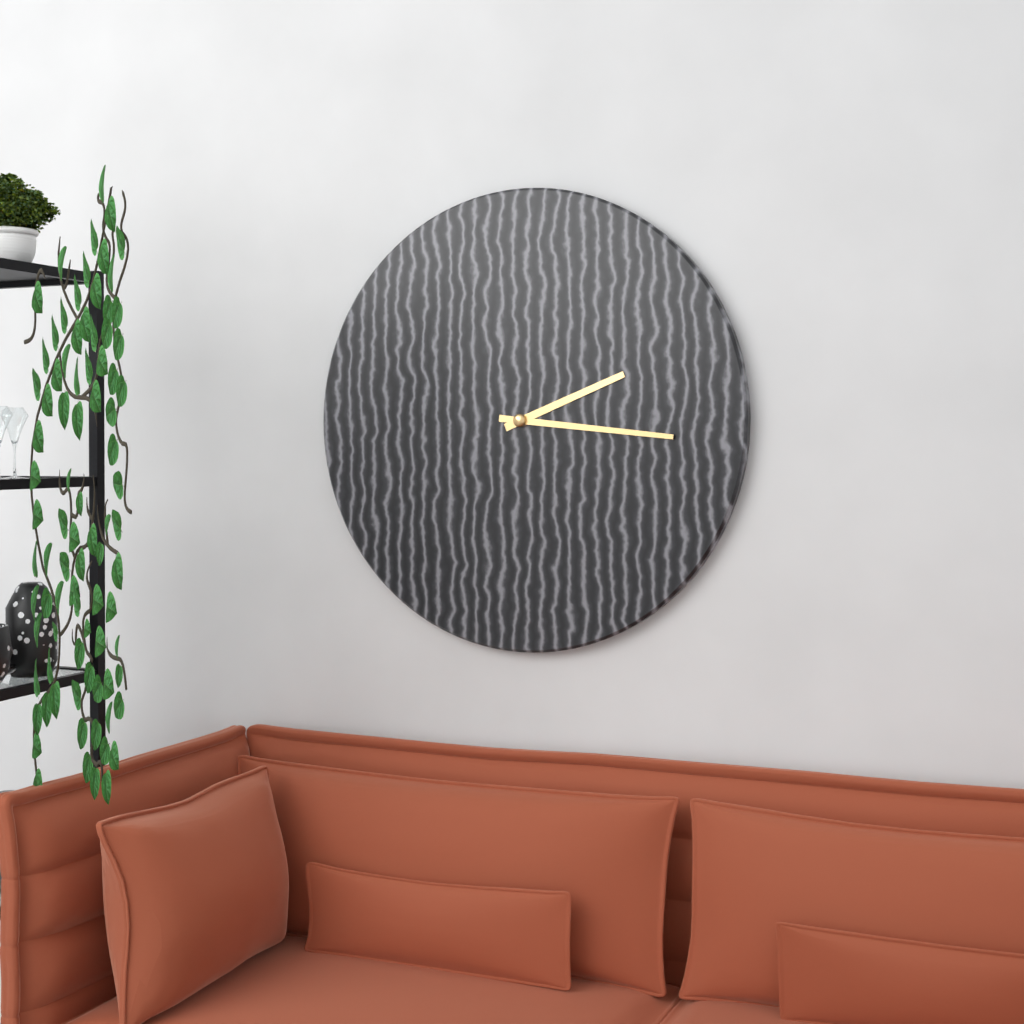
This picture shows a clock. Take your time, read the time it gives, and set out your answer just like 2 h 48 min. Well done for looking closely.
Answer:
2 h 16 min
